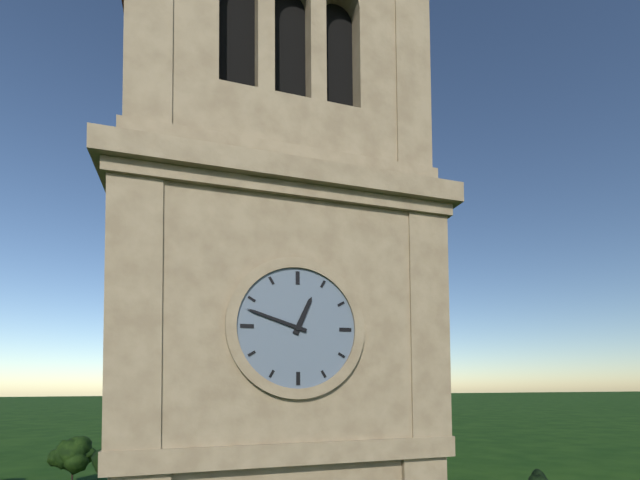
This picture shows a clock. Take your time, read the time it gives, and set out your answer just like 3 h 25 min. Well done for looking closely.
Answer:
12 h 48 min
